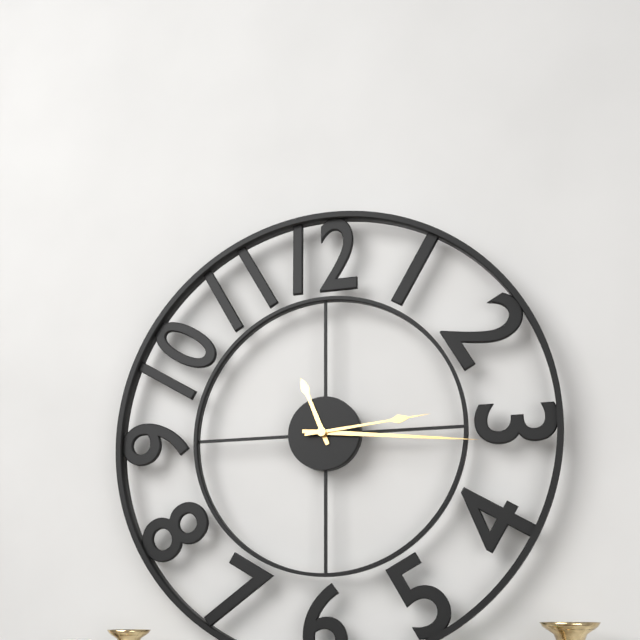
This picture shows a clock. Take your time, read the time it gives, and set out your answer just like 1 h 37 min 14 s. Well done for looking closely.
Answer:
11 h 16 min 14 s
